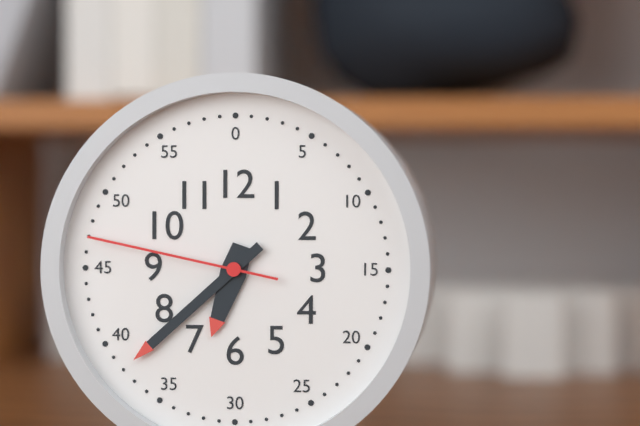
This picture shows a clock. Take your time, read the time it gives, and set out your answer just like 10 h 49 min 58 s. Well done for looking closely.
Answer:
6 h 38 min 47 s
